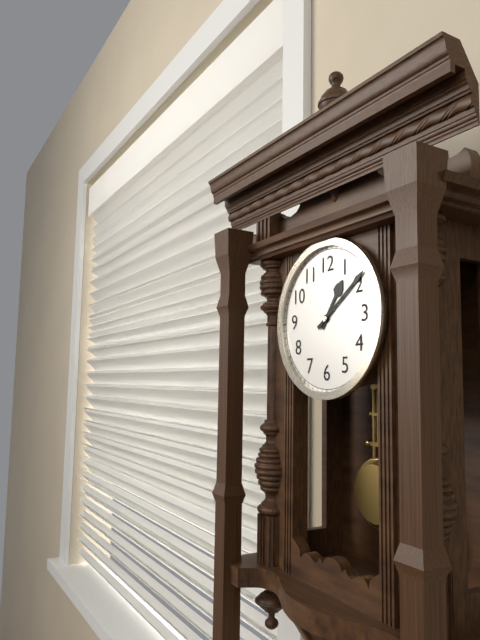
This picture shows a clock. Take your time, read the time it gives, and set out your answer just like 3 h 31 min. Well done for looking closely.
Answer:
1 h 09 min
